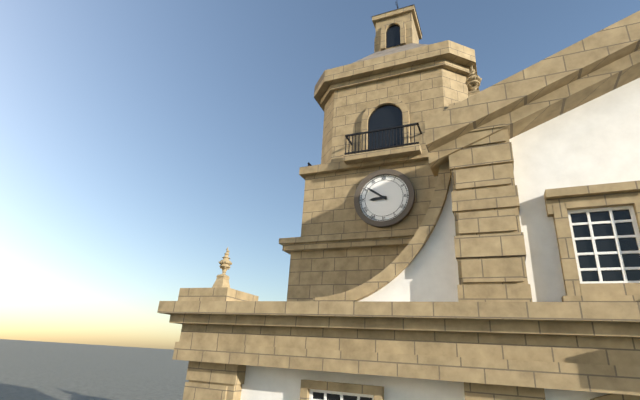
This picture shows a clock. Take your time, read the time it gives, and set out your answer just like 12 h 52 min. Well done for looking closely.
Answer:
8 h 51 min
